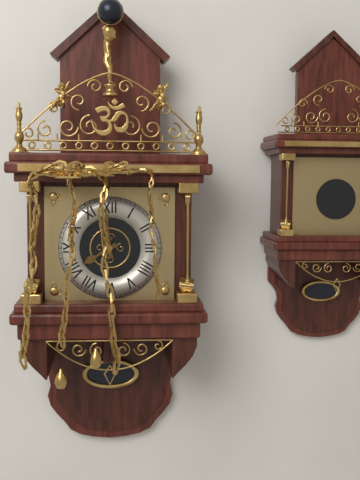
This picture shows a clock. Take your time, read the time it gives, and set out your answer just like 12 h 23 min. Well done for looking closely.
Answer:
7 h 59 min
